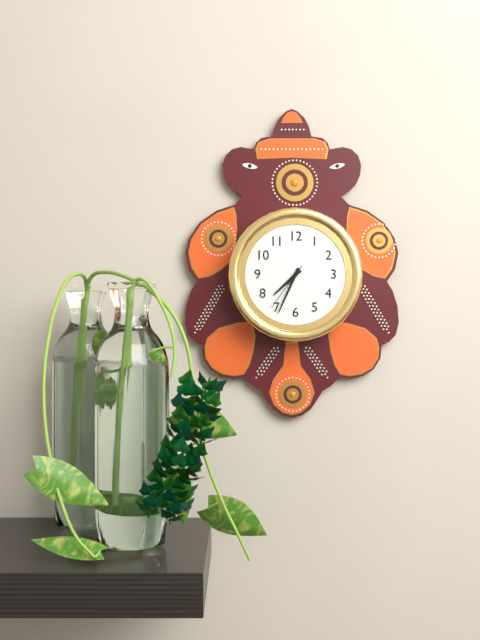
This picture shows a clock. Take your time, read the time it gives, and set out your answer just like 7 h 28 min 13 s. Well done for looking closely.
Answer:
7 h 34 min 36 s
